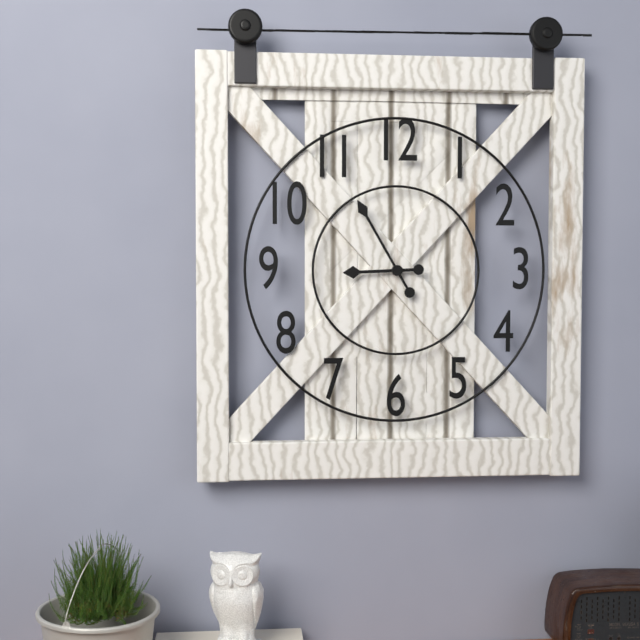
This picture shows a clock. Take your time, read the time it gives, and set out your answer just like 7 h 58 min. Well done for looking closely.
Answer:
8 h 55 min
